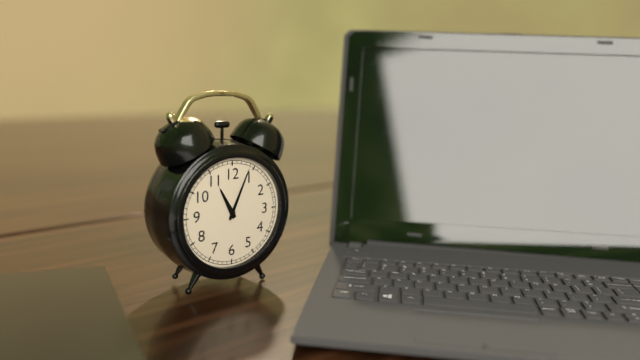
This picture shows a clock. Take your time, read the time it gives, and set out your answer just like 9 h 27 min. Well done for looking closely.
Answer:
11 h 04 min
